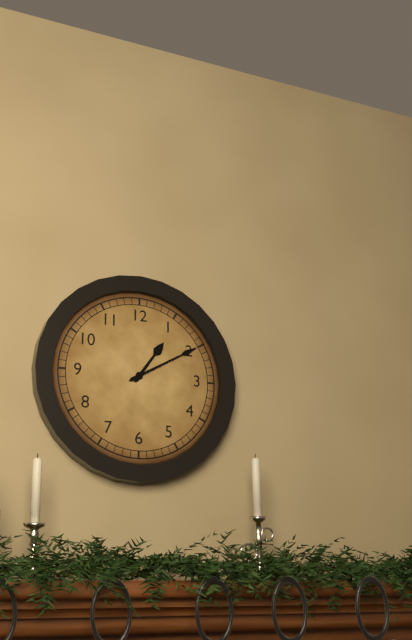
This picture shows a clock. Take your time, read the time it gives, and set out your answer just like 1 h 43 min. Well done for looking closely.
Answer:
1 h 10 min
